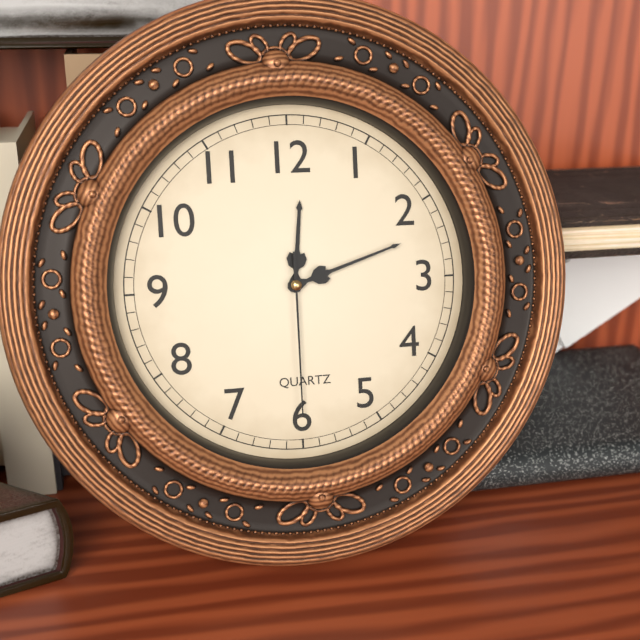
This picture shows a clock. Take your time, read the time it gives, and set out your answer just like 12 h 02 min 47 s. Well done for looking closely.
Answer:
12 h 12 min 30 s
